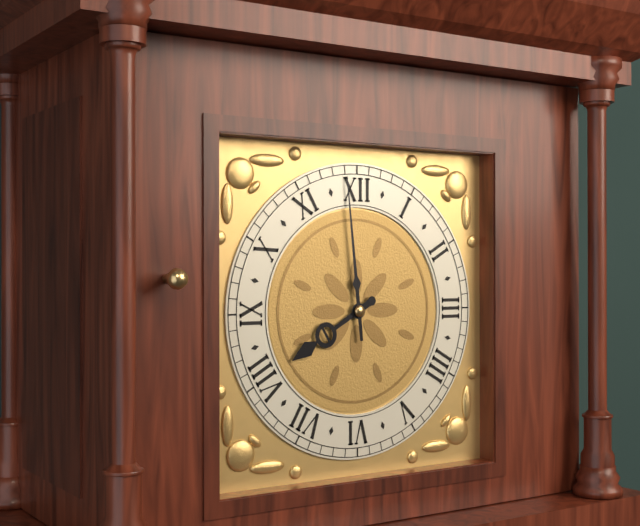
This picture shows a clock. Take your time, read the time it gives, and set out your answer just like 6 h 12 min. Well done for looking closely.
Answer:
7 h 59 min
